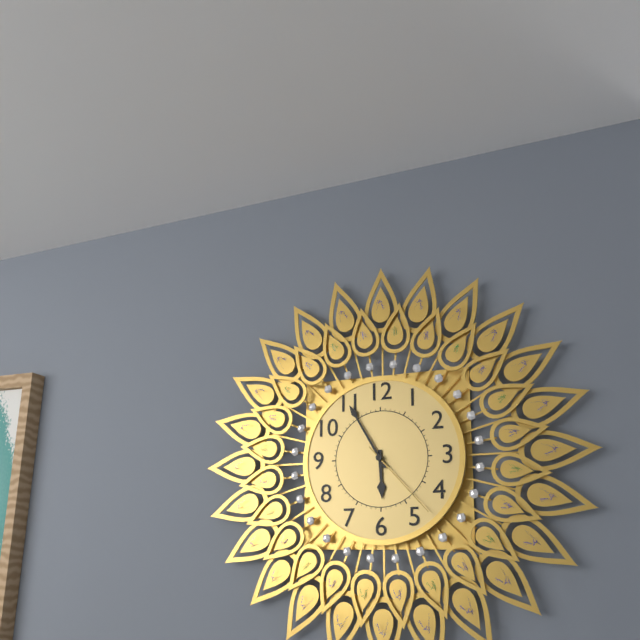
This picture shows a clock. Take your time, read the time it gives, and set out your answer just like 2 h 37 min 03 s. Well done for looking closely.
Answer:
5 h 55 min 23 s
